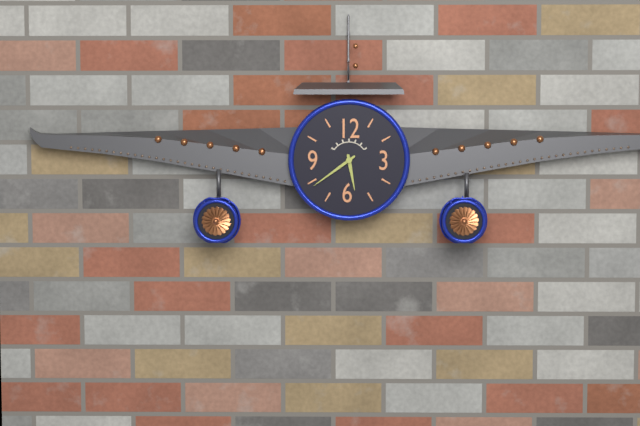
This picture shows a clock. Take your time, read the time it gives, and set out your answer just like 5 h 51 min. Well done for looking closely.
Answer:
5 h 39 min
